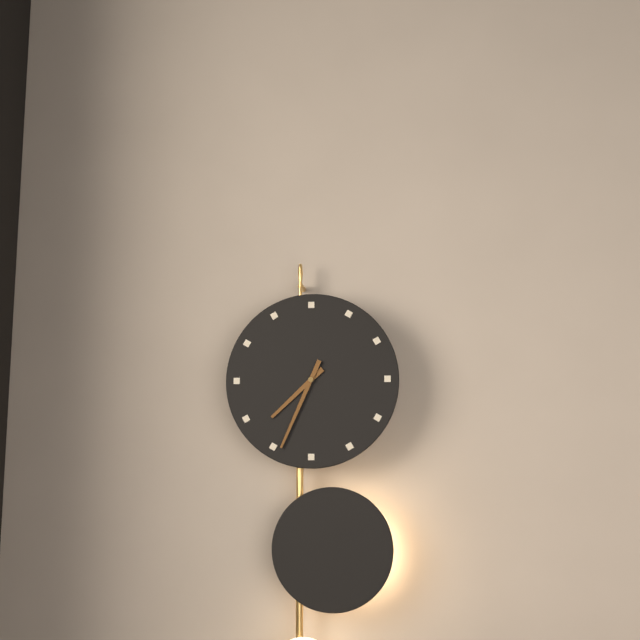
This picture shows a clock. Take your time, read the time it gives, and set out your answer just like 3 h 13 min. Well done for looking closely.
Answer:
7 h 34 min
